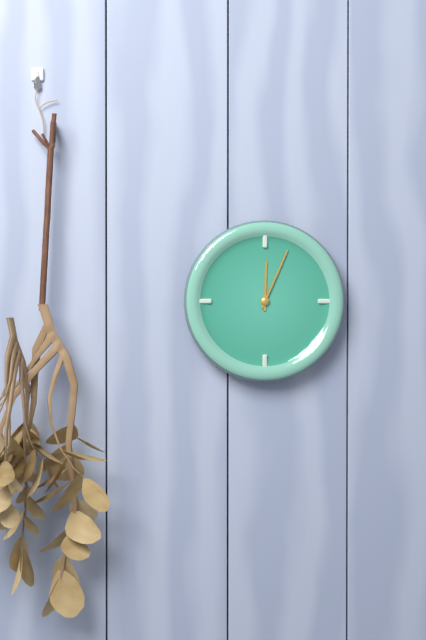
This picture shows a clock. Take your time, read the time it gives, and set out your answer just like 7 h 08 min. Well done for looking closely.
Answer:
12 h 04 min
